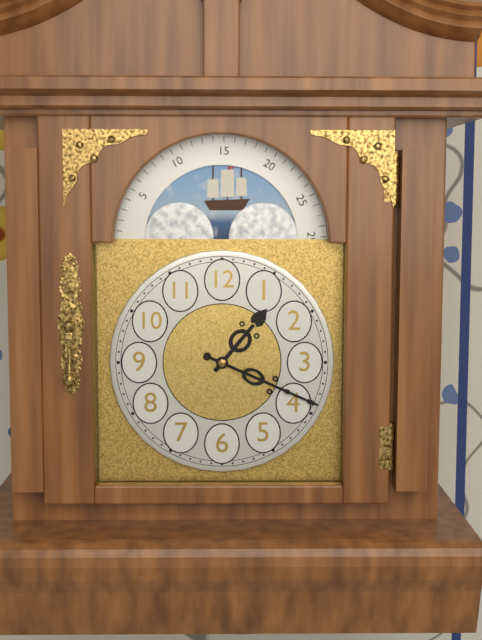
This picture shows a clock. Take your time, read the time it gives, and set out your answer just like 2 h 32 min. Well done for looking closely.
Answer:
1 h 19 min
